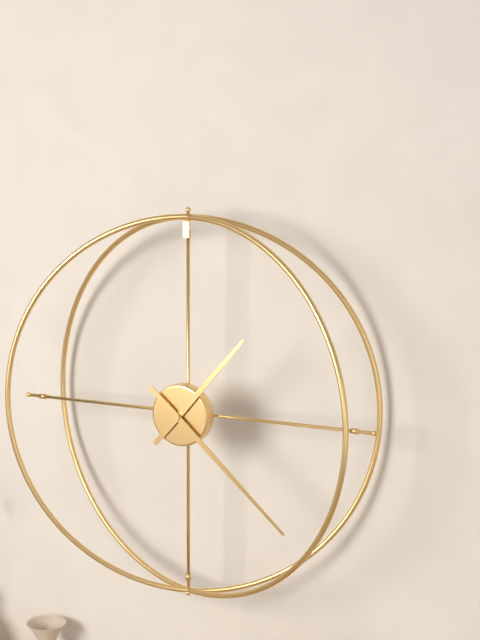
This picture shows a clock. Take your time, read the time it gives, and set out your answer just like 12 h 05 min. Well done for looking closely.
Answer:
1 h 22 min
